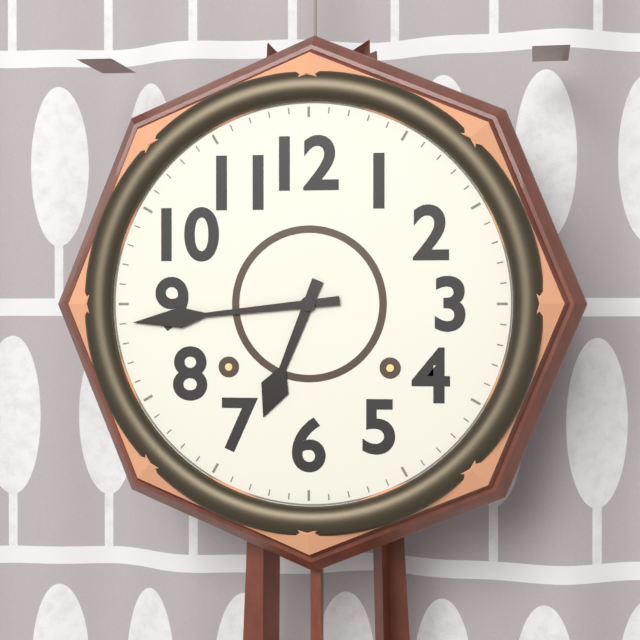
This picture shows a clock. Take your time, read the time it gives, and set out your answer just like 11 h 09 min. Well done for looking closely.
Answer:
6 h 44 min
